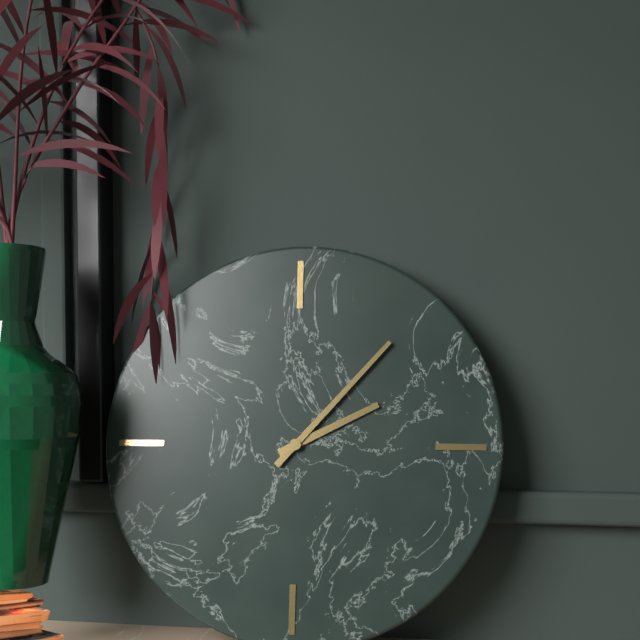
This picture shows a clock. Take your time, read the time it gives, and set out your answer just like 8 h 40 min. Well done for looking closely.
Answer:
2 h 07 min
